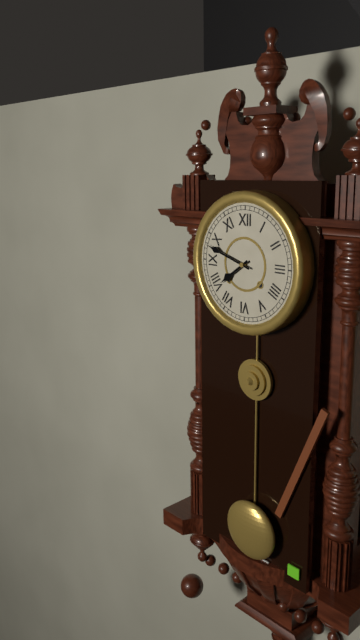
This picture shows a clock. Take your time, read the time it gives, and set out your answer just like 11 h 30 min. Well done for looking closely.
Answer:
7 h 48 min
